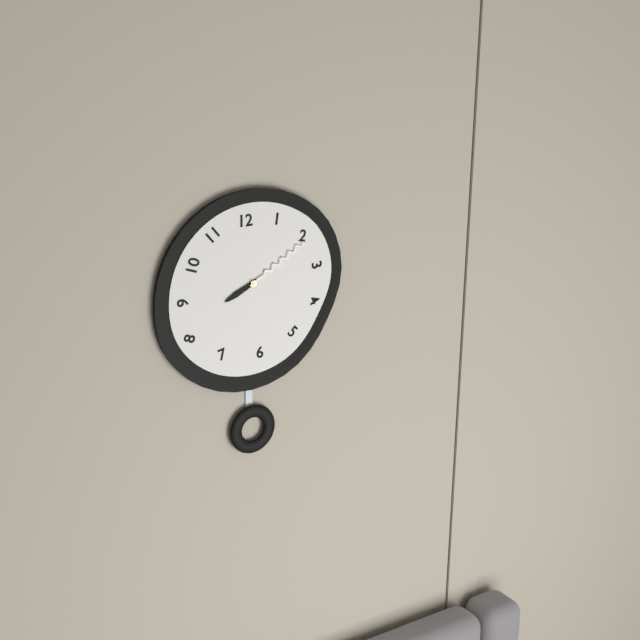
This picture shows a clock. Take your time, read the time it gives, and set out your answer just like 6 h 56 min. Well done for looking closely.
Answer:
8 h 10 min
